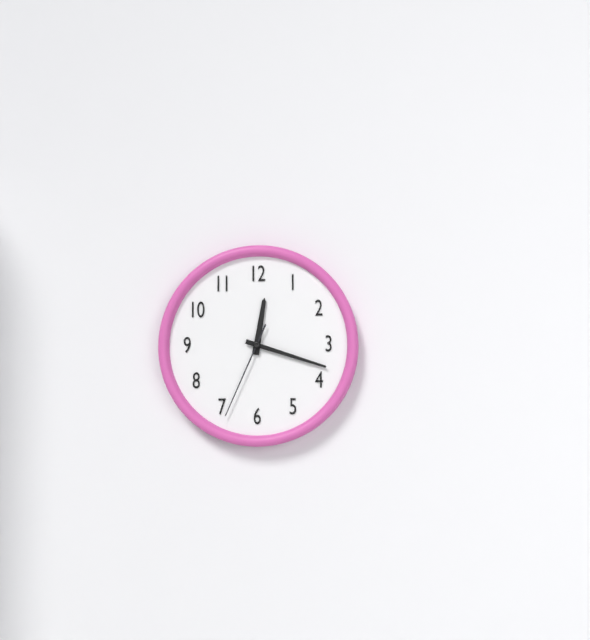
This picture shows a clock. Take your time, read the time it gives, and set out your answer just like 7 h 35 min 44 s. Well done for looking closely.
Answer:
12 h 18 min 34 s
